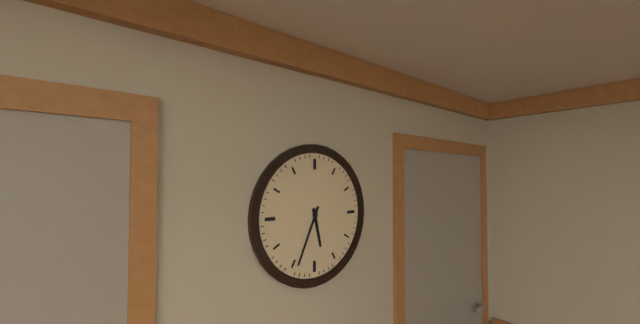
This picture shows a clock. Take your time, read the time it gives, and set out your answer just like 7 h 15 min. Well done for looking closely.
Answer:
5 h 34 min
